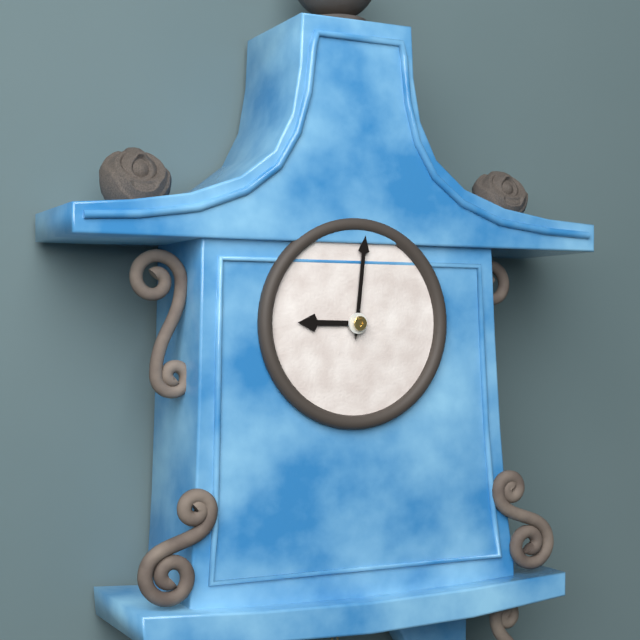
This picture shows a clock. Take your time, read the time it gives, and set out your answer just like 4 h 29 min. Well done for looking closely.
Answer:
9 h 01 min
